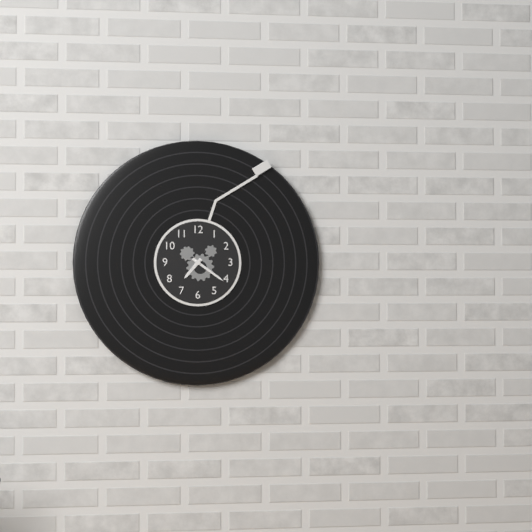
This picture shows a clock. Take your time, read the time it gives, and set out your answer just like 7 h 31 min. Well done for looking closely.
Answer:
7 h 21 min
